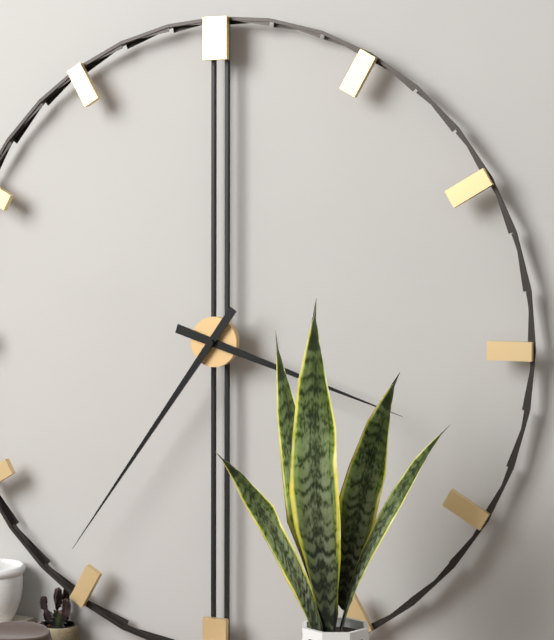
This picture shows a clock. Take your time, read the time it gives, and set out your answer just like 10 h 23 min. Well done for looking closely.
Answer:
3 h 36 min
